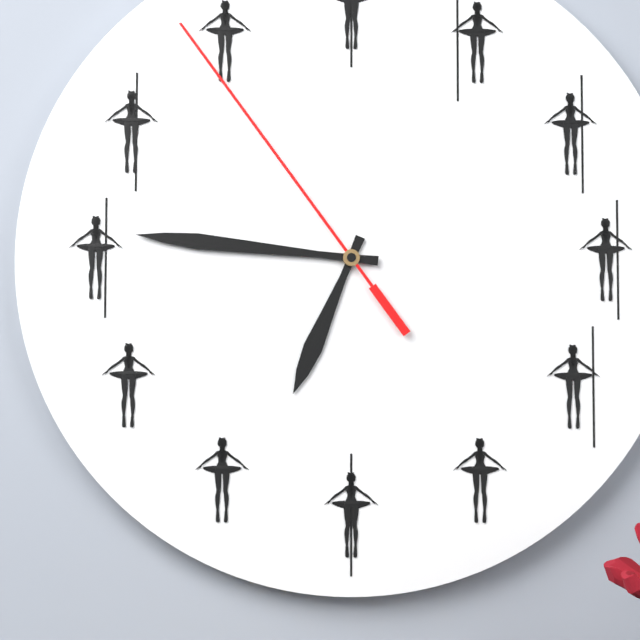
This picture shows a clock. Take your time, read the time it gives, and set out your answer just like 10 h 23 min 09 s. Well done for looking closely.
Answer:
6 h 46 min 54 s
